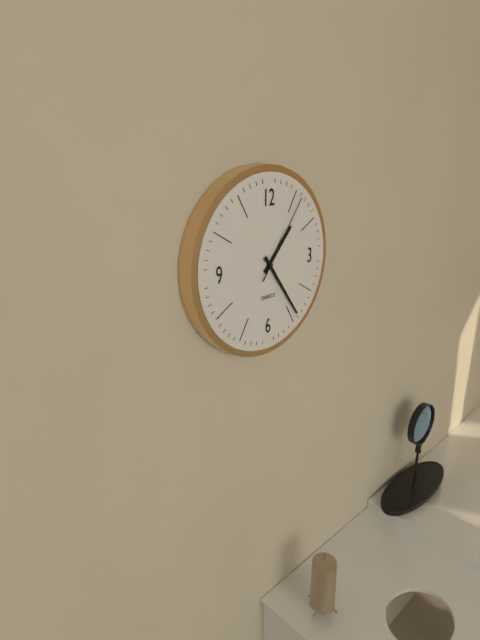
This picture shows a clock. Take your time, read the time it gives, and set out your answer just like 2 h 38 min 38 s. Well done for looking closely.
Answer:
1 h 24 min 06 s
